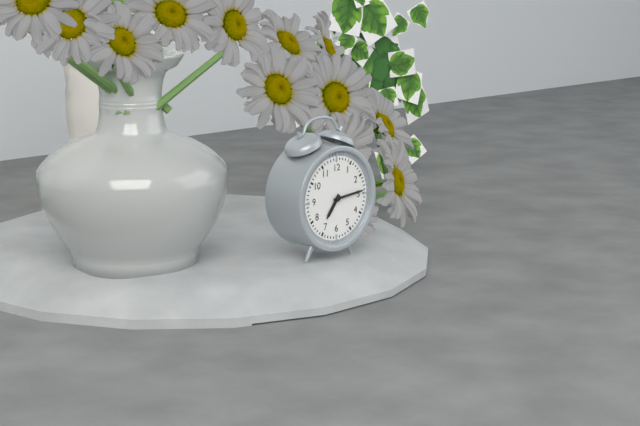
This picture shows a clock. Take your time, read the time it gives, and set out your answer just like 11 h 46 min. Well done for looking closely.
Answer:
7 h 14 min
